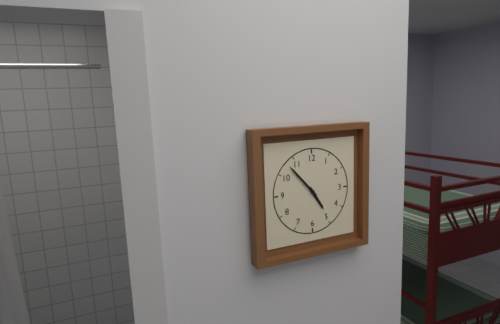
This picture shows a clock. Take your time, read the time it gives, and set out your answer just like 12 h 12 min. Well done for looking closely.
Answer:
4 h 53 min
